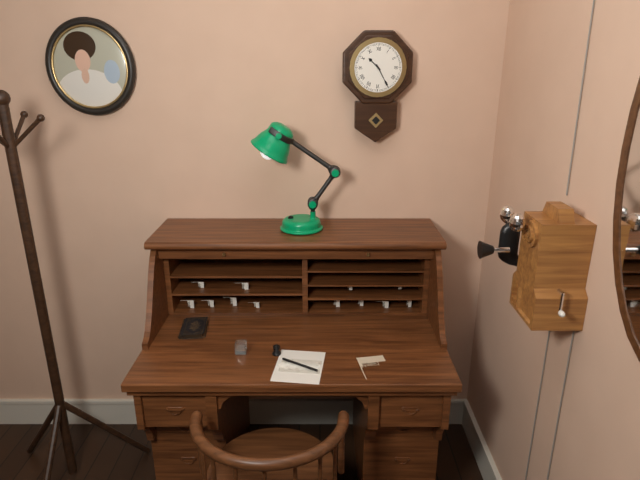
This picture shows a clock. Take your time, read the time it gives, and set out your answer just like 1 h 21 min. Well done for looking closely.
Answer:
10 h 25 min
